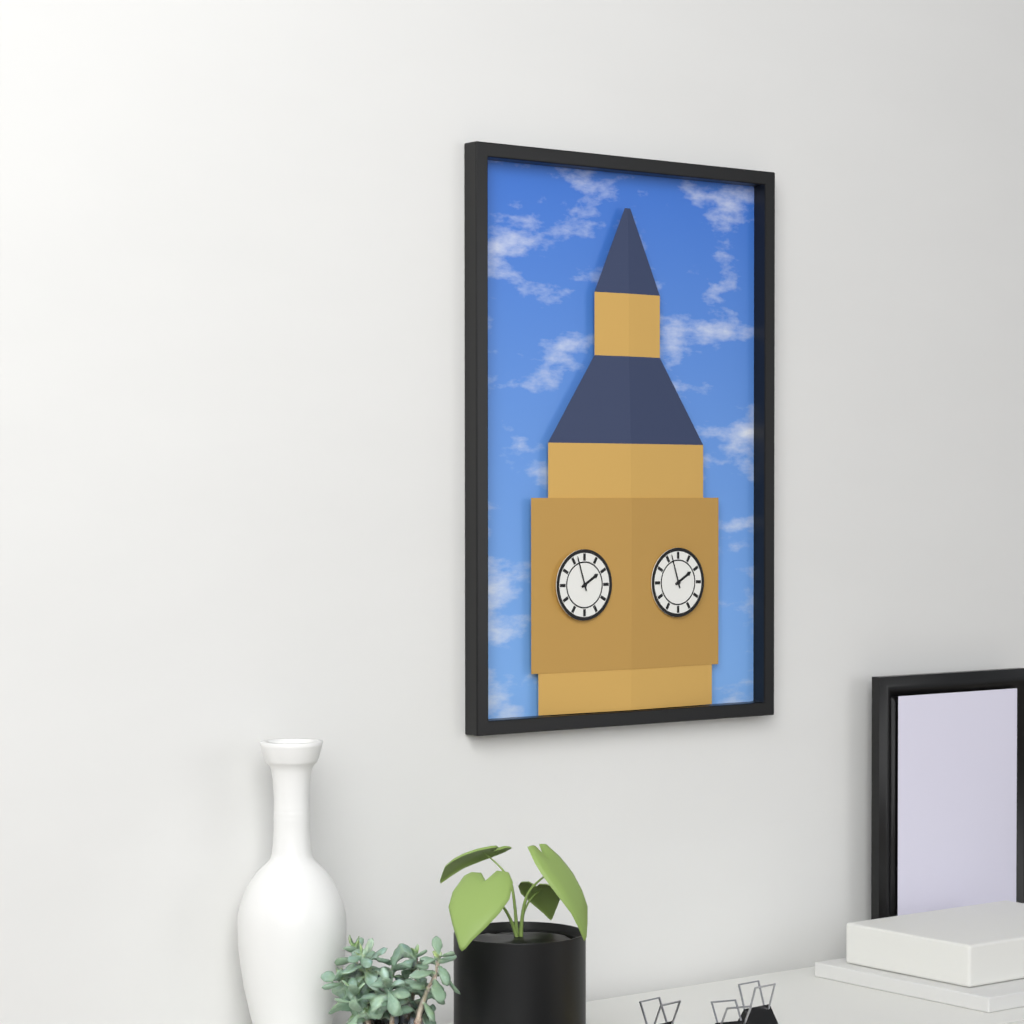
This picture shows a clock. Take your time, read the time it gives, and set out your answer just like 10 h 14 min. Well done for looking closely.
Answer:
1 h 57 min
